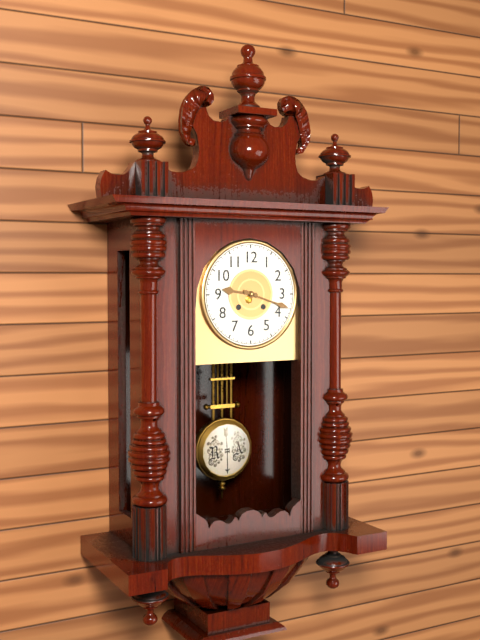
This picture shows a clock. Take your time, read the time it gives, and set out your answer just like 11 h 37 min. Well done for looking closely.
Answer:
9 h 18 min
